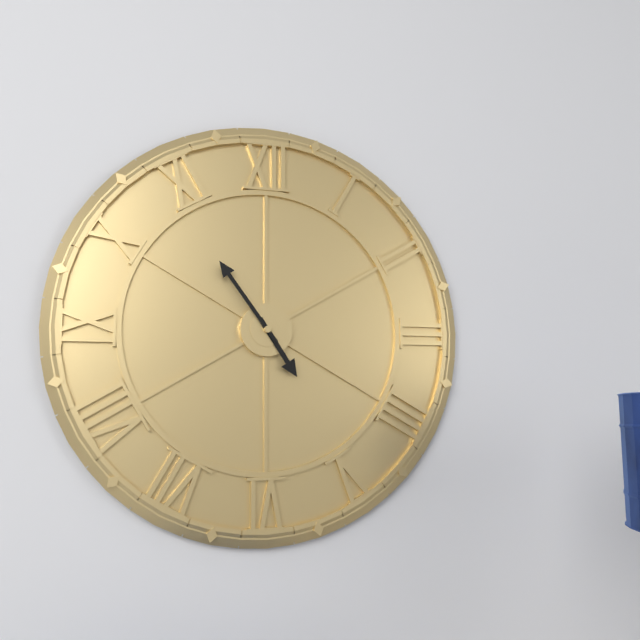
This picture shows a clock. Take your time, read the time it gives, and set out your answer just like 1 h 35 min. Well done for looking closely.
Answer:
4 h 54 min
